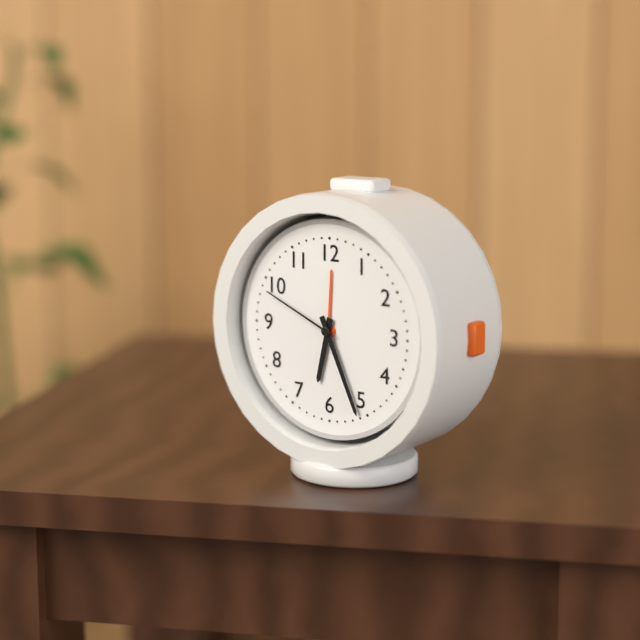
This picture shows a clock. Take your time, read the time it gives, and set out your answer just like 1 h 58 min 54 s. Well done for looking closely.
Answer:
6 h 26 min 49 s
